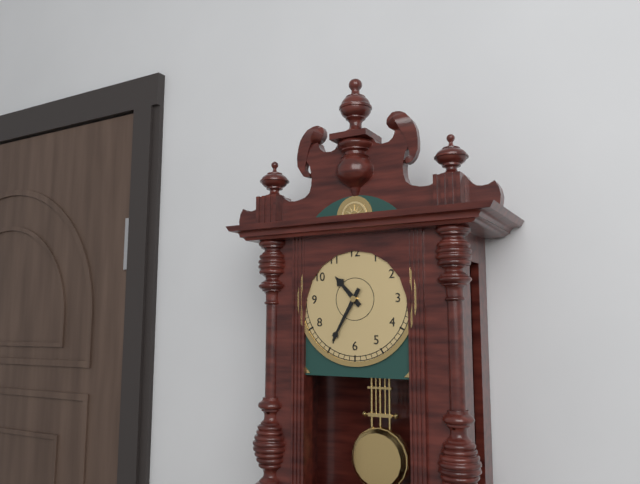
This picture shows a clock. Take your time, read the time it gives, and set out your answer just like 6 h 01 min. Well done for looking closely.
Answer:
10 h 35 min
